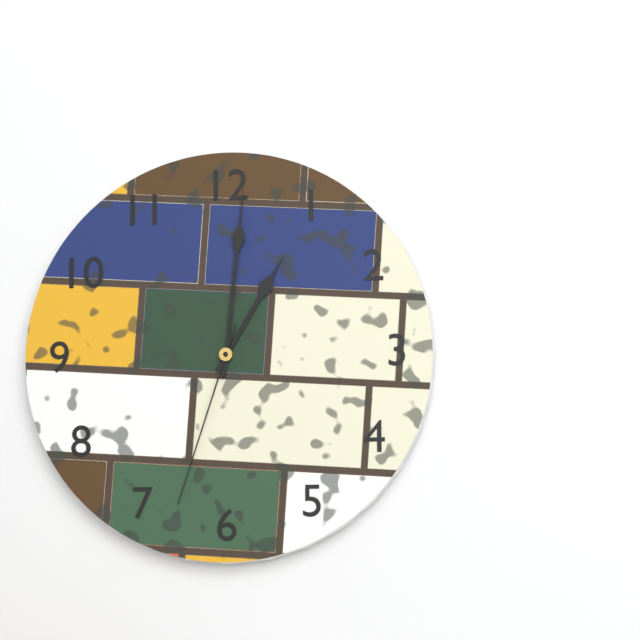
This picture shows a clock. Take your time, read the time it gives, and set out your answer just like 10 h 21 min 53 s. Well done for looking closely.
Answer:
1 h 01 min 33 s
